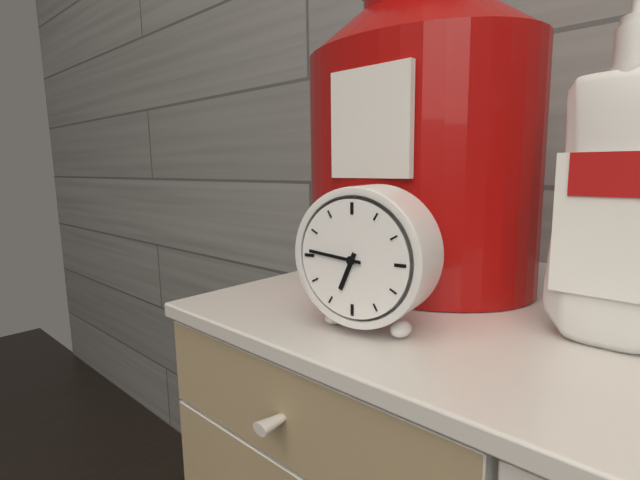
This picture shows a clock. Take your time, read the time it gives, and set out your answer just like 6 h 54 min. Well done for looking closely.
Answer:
6 h 46 min
